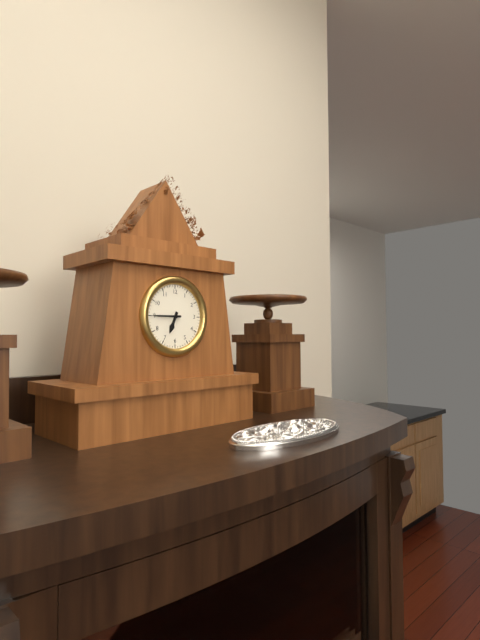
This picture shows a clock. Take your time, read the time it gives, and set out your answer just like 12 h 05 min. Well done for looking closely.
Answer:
6 h 45 min
